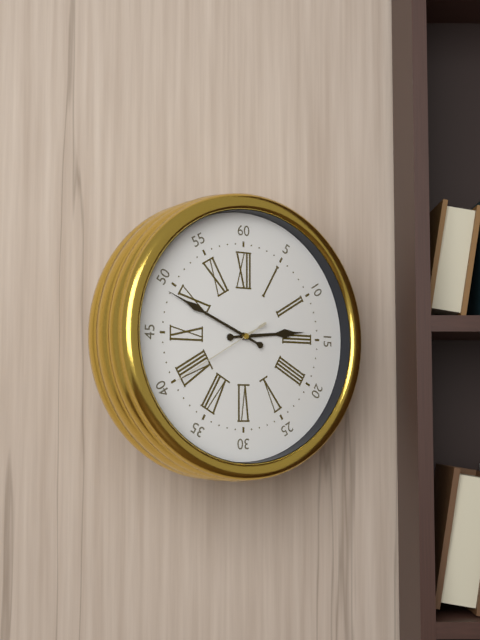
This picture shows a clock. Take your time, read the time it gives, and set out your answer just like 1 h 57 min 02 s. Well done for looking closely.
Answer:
2 h 49 min 40 s
